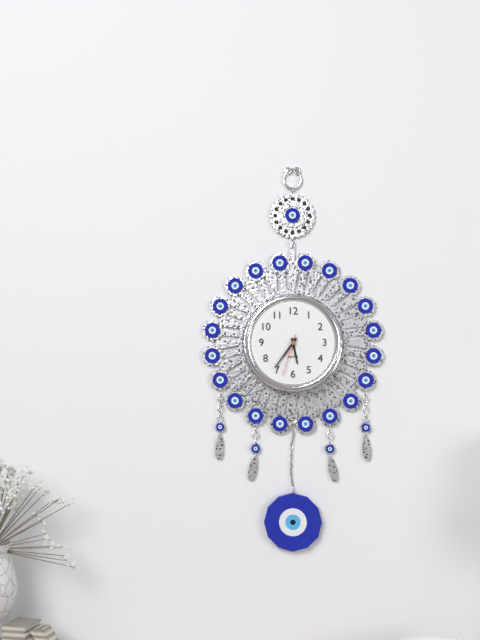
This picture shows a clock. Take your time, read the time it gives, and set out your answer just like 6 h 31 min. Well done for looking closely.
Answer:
5 h 36 min
